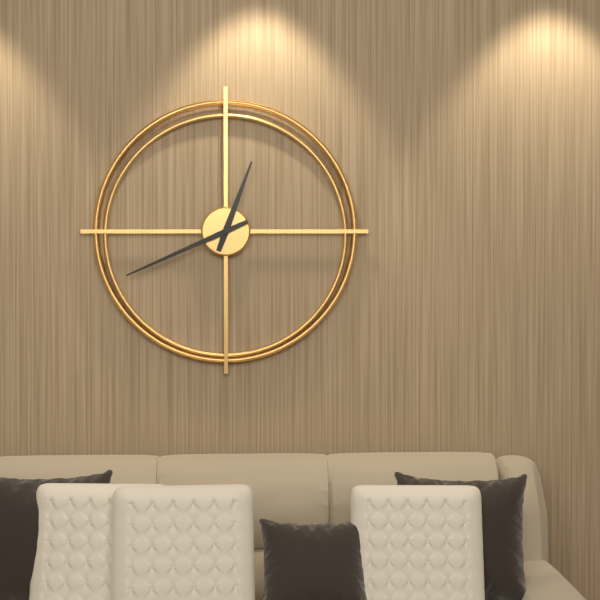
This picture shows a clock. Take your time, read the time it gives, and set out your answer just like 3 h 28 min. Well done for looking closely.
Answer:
12 h 41 min
